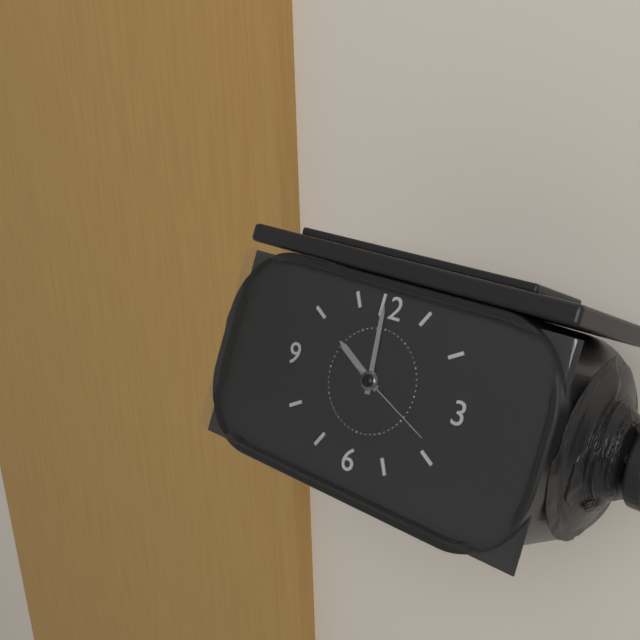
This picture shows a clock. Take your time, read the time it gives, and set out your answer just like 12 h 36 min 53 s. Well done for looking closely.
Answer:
9 h 59 min 19 s
